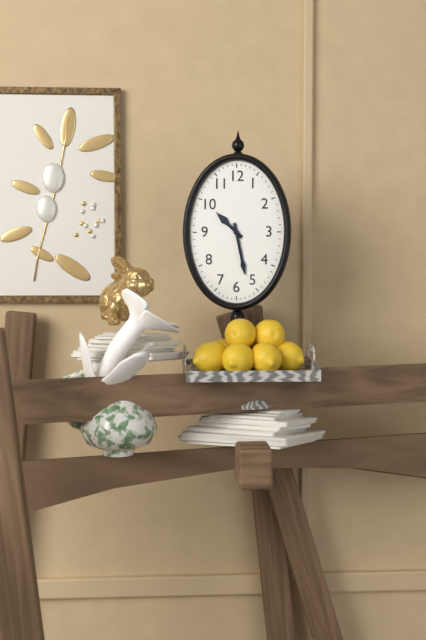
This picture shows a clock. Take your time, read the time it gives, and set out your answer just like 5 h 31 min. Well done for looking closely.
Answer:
10 h 28 min
